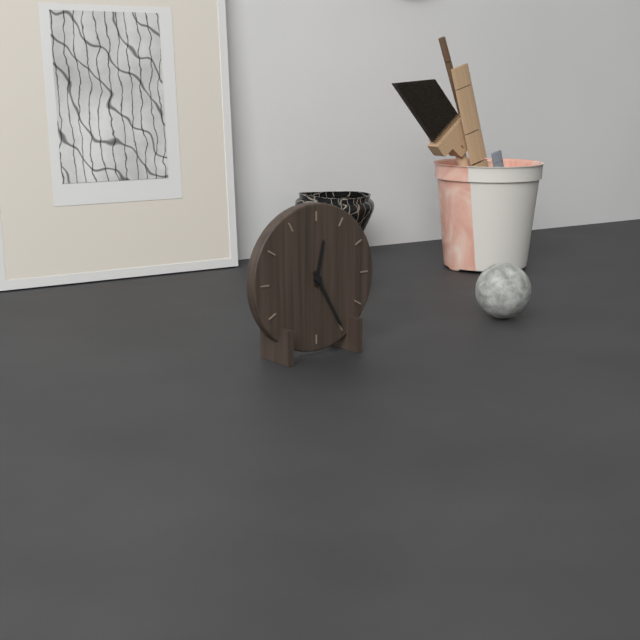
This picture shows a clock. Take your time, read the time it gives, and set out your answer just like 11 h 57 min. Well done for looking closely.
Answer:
12 h 25 min
